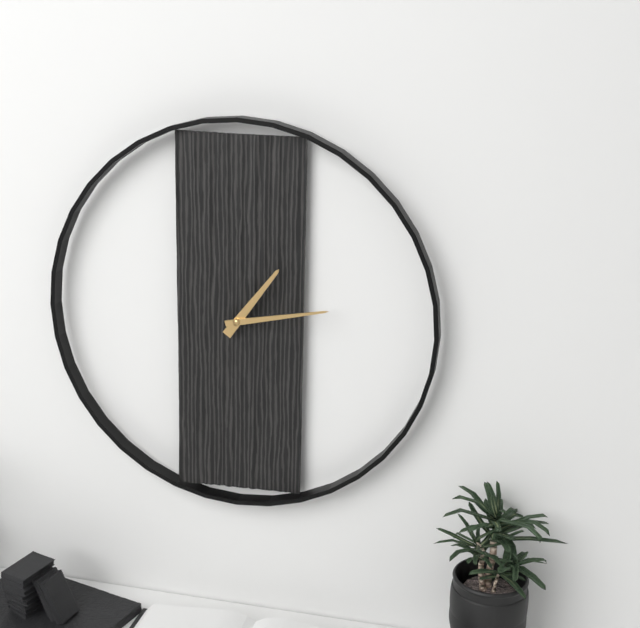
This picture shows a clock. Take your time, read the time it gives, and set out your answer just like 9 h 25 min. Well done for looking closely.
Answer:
1 h 13 min
